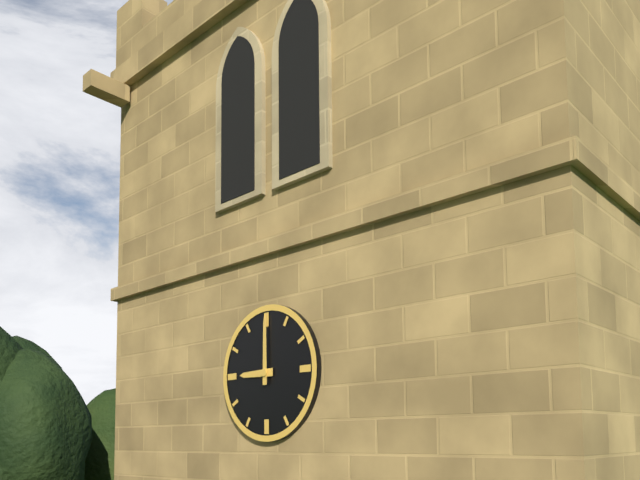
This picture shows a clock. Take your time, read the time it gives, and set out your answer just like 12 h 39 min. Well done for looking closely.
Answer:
9 h 00 min
